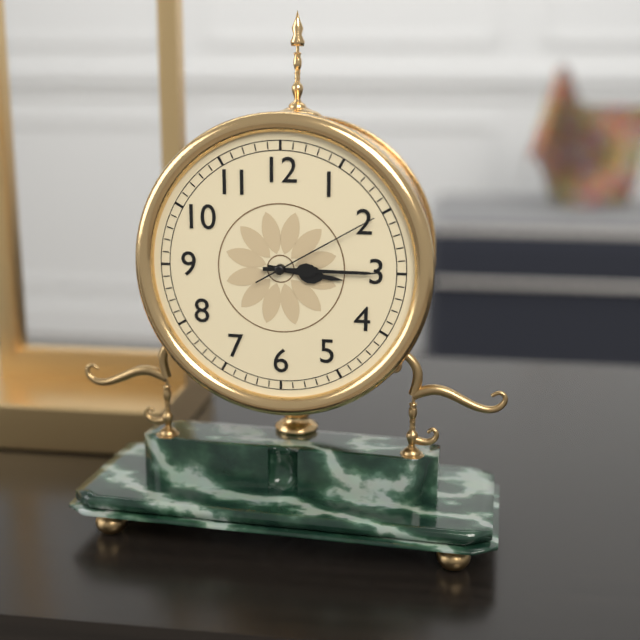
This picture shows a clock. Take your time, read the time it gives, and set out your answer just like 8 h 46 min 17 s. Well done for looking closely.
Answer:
3 h 15 min 10 s
